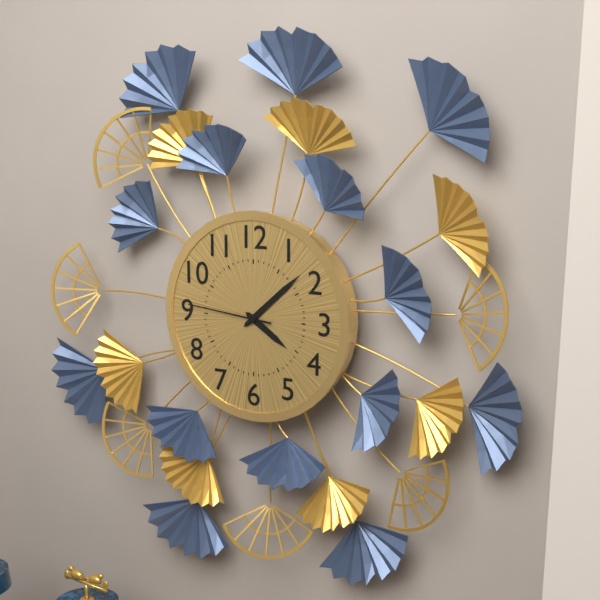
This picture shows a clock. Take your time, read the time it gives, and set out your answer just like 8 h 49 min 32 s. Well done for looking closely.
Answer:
4 h 08 min 46 s
